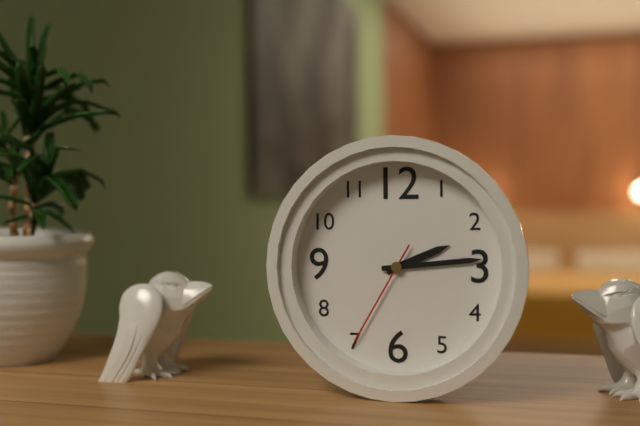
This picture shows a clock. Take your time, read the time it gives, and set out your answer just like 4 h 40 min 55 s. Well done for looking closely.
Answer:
2 h 14 min 35 s
